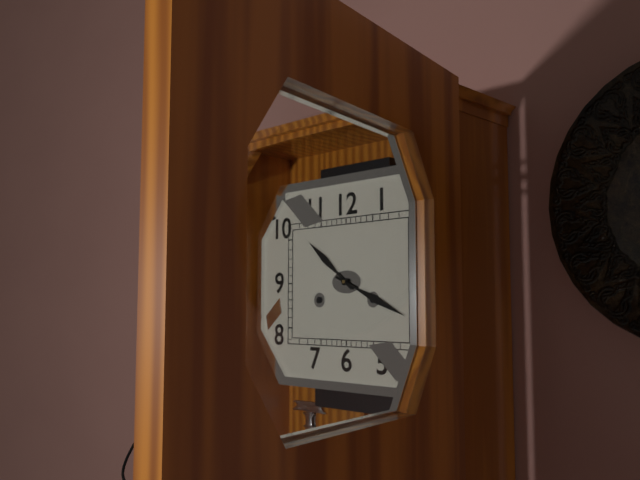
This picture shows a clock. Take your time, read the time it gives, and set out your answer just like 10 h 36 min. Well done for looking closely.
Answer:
10 h 19 min
